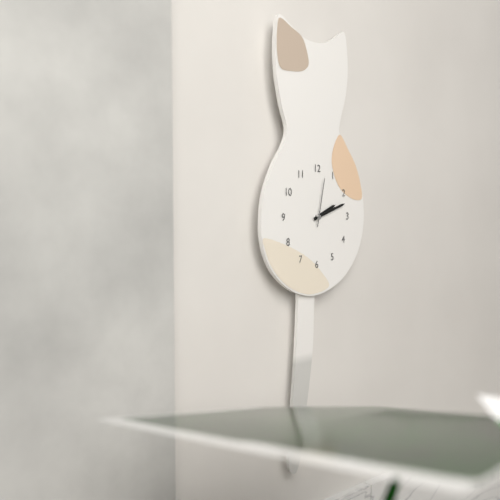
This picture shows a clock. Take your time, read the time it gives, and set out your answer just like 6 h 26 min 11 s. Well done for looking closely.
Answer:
2 h 12 min 02 s
